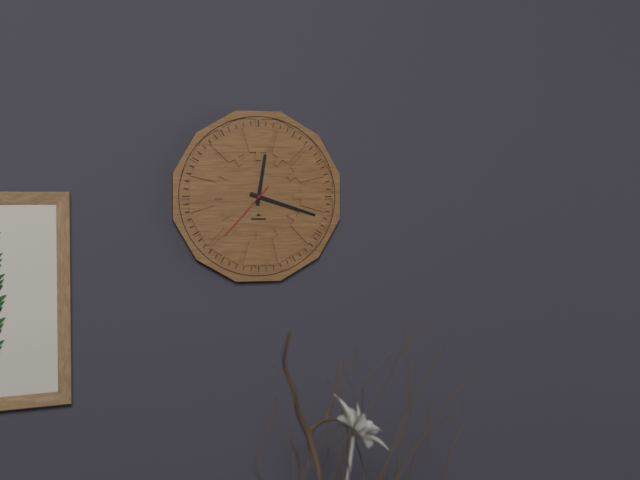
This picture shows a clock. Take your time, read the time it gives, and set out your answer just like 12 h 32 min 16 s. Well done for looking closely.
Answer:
12 h 18 min 37 s
